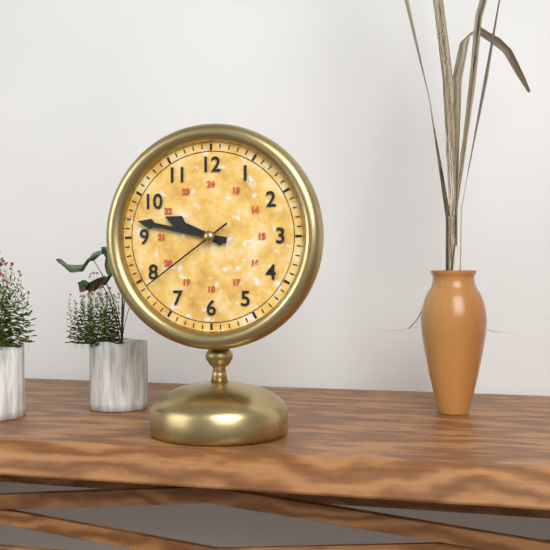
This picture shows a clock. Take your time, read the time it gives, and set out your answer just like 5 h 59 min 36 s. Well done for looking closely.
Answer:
9 h 47 min 39 s
